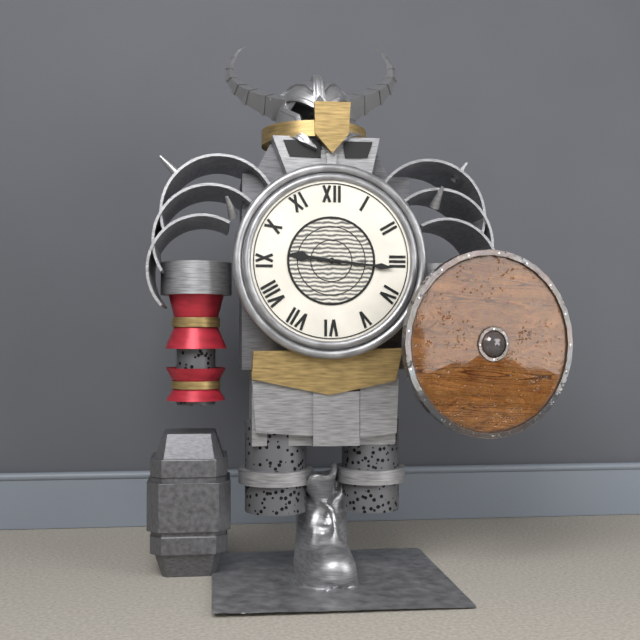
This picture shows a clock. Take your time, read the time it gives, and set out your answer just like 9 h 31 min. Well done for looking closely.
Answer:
9 h 16 min
